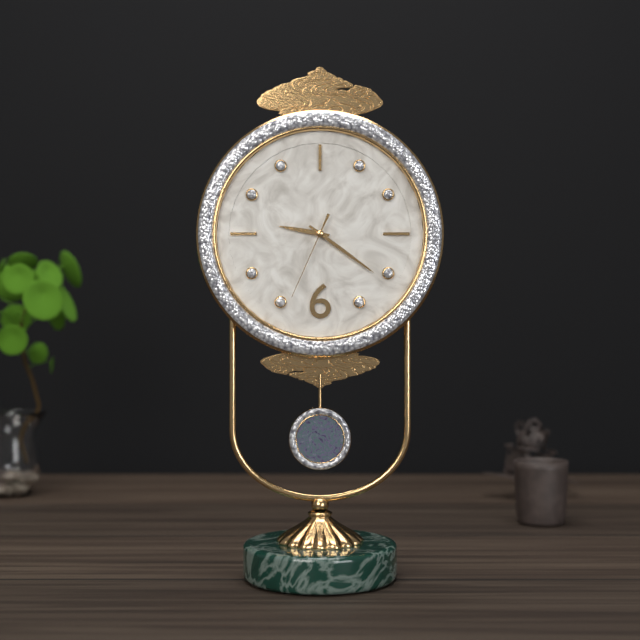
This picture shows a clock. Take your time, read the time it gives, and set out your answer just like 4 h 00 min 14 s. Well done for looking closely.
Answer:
9 h 21 min 34 s
